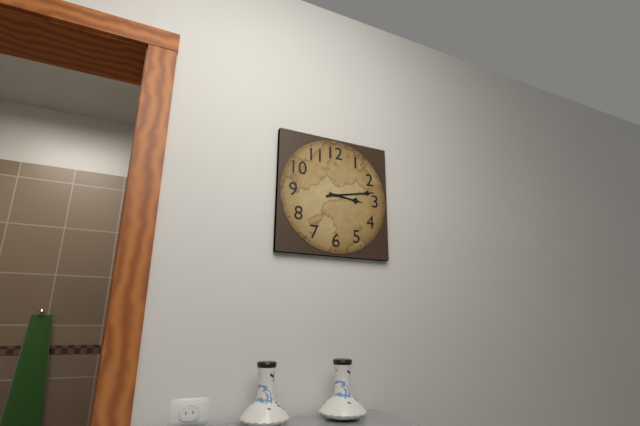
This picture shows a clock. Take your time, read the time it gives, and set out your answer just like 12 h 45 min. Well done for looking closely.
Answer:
3 h 13 min
